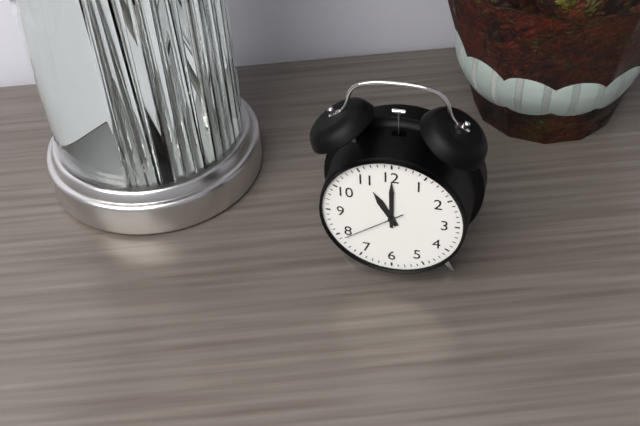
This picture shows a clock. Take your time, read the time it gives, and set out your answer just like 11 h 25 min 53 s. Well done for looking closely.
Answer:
11 h 00 min 39 s
